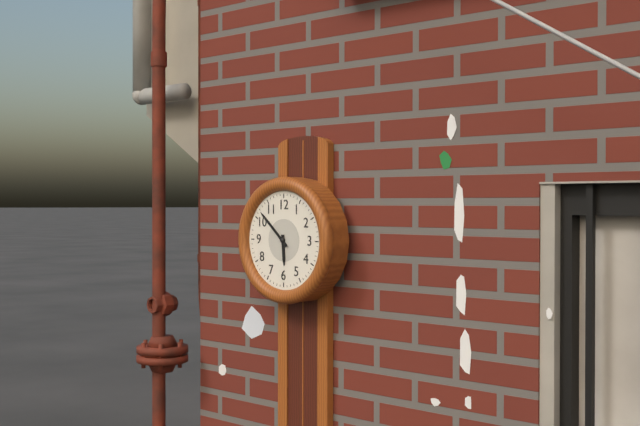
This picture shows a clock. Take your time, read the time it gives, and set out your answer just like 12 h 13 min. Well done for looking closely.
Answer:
5 h 52 min
